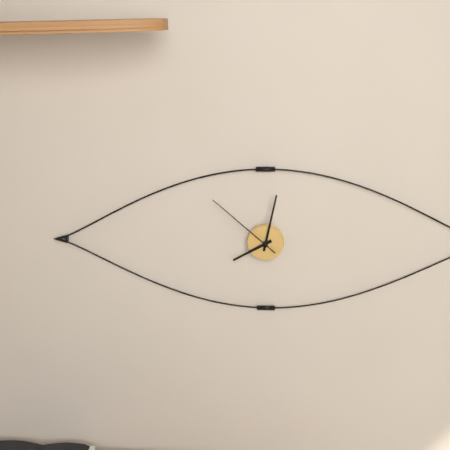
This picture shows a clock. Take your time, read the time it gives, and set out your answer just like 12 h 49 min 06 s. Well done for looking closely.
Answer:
8 h 02 min 52 s
